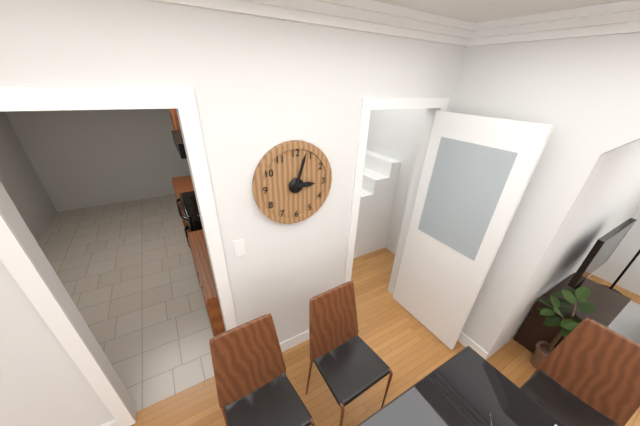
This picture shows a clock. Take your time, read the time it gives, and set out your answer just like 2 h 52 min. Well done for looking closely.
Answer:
3 h 03 min
